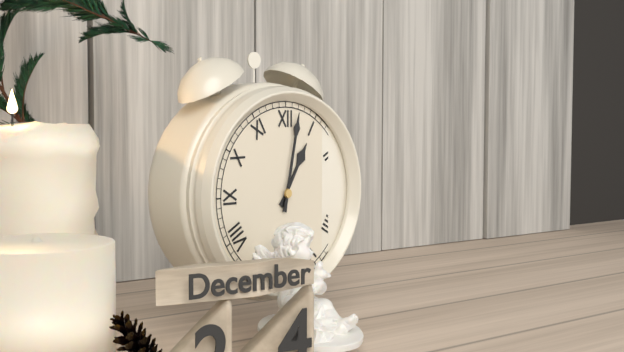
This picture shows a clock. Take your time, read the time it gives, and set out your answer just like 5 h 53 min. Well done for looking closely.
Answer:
1 h 02 min
